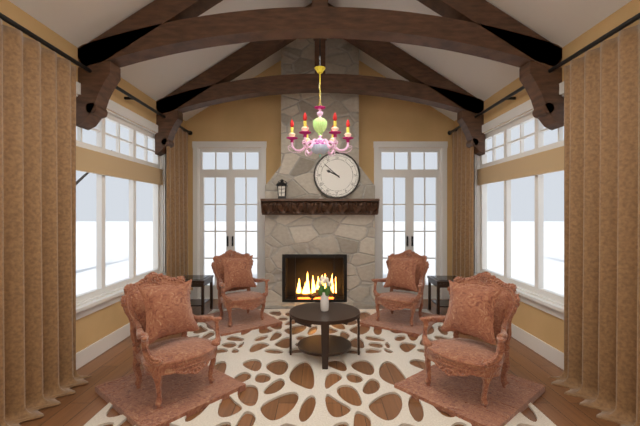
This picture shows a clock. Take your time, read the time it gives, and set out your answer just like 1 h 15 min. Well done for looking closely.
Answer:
9 h 52 min
